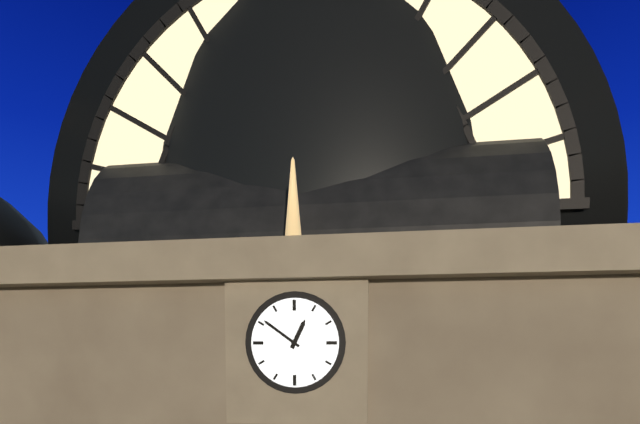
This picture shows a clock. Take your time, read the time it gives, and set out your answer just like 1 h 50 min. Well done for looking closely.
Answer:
12 h 51 min
